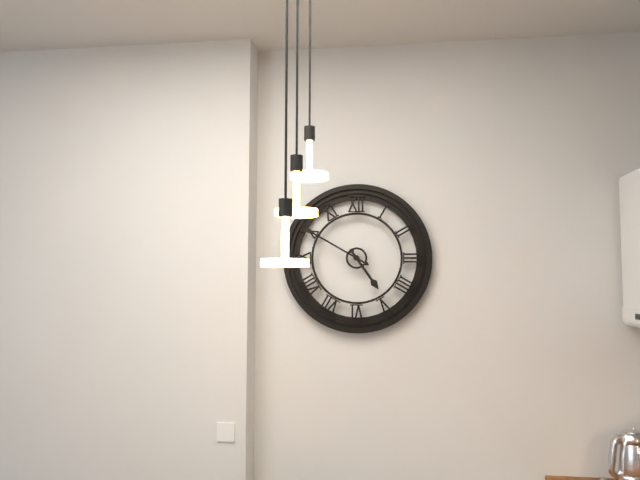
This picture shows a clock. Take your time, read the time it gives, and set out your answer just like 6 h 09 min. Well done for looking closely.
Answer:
4 h 50 min
